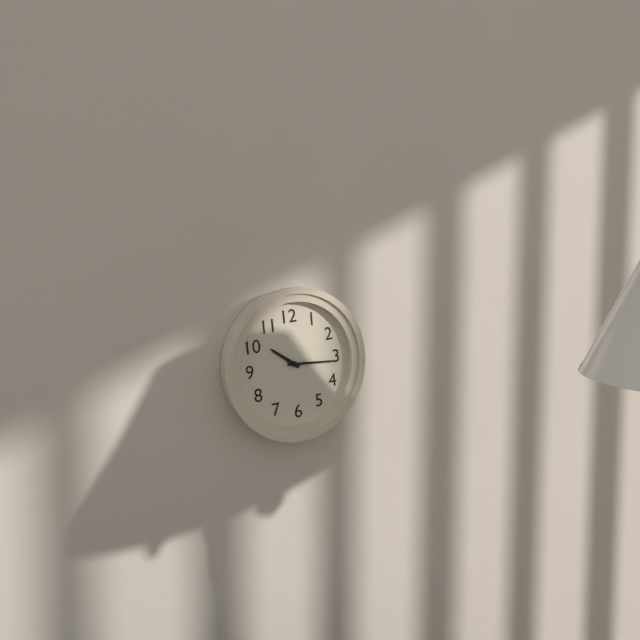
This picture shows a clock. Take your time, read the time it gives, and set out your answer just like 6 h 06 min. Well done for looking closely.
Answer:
10 h 16 min
